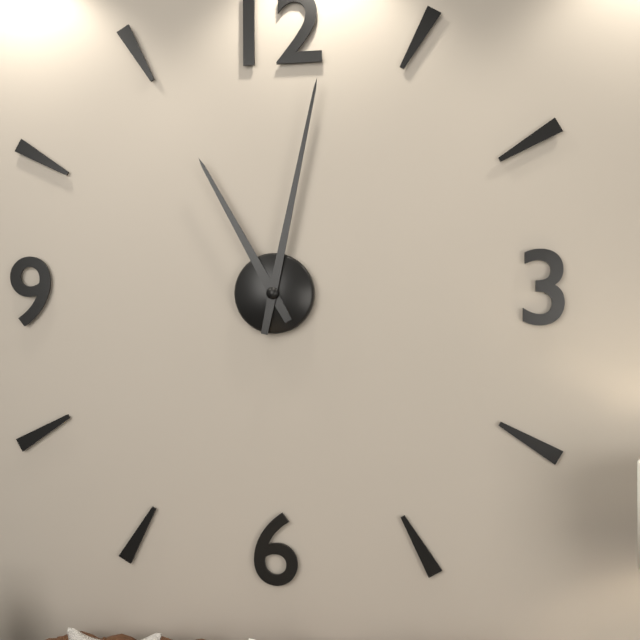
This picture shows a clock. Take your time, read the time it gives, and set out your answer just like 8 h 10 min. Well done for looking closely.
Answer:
11 h 02 min
